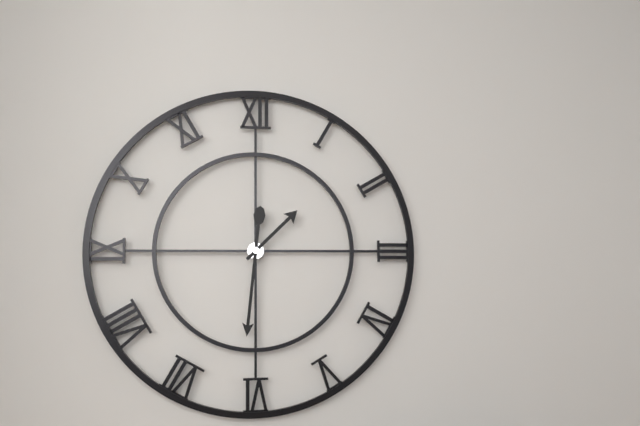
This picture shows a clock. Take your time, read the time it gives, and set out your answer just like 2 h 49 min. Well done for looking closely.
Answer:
1 h 31 min
